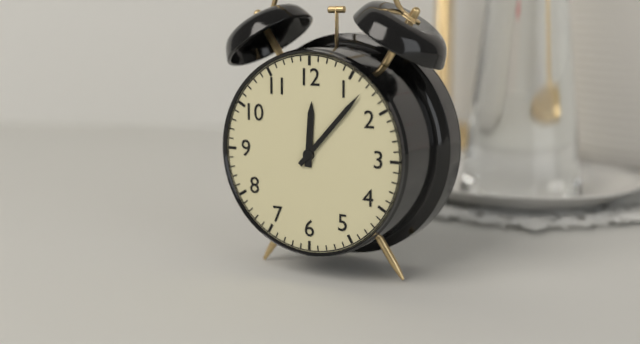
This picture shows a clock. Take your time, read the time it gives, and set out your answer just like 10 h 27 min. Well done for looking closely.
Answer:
12 h 07 min
